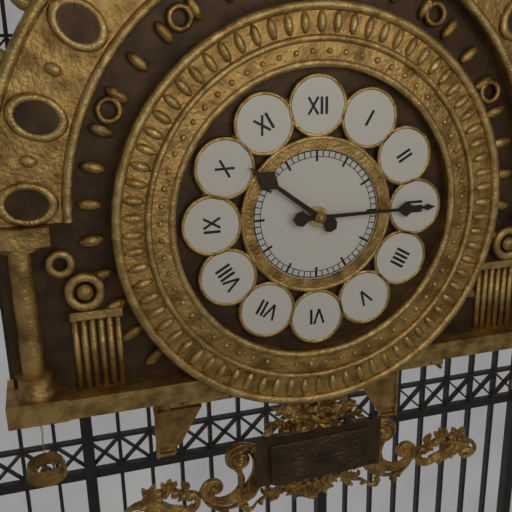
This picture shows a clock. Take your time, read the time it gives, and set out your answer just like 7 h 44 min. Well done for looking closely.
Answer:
10 h 15 min
